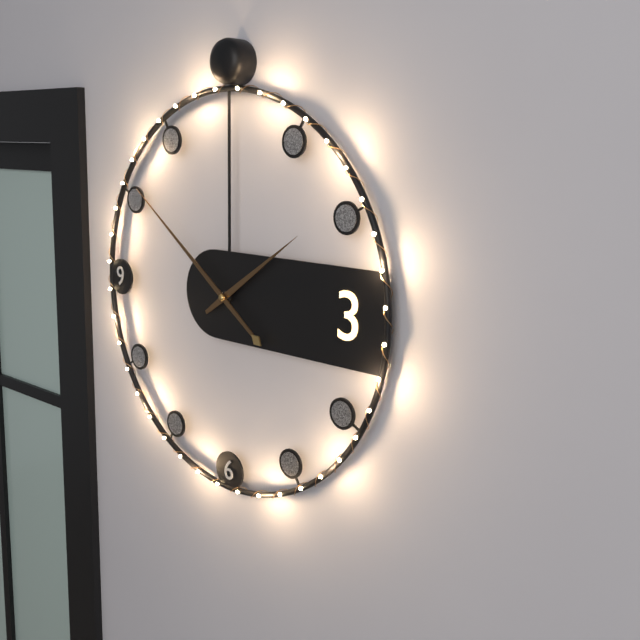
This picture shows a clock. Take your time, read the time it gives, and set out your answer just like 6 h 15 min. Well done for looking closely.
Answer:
1 h 51 min
